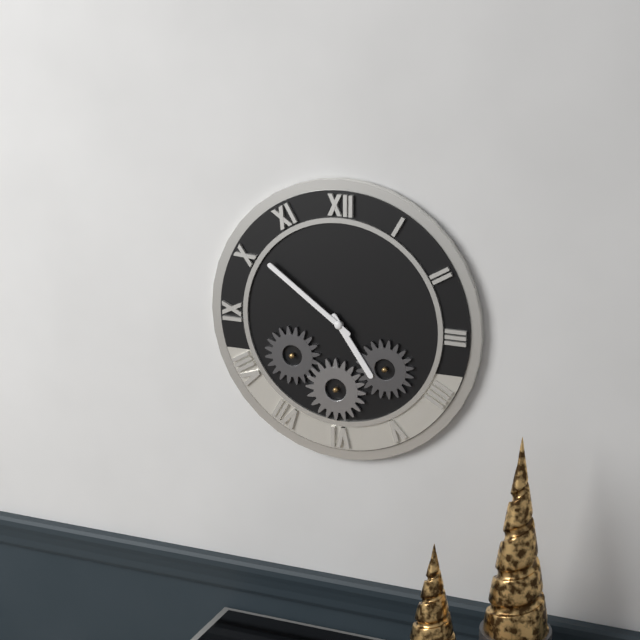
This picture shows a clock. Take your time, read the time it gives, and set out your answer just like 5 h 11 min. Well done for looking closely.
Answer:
4 h 51 min
